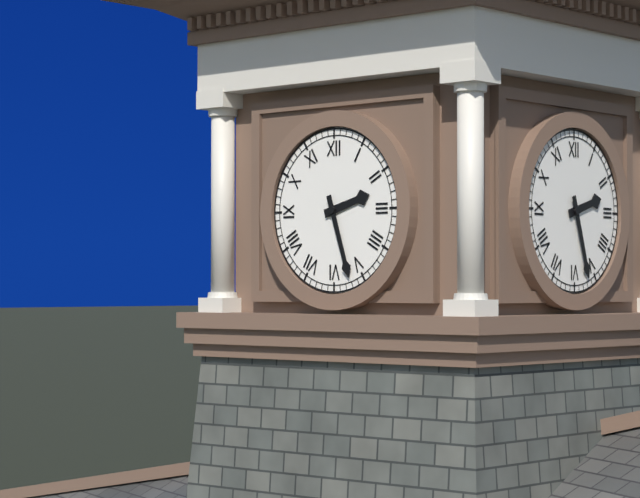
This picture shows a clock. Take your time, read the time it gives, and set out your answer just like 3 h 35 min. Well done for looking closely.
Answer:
2 h 27 min
